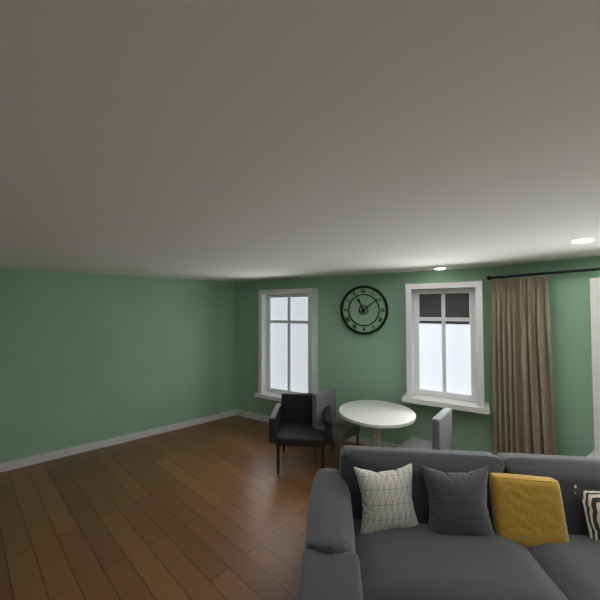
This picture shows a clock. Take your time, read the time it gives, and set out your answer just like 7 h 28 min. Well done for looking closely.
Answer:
11 h 09 min
